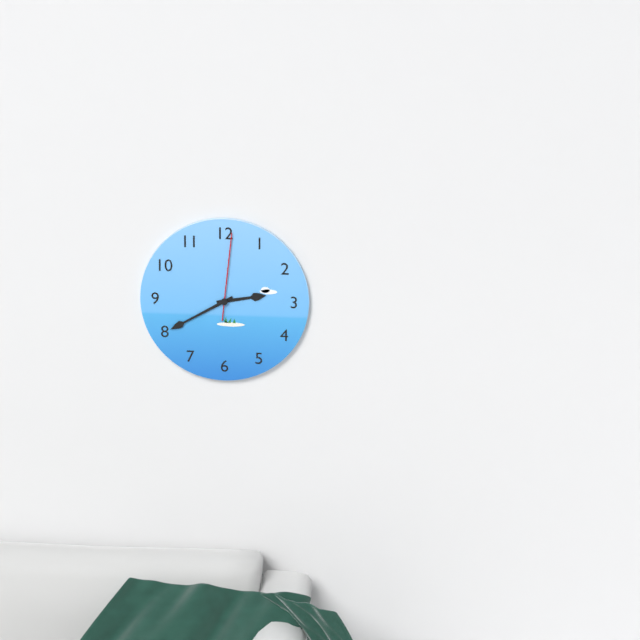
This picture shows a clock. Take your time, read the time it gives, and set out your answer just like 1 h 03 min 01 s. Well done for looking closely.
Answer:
2 h 40 min 01 s
